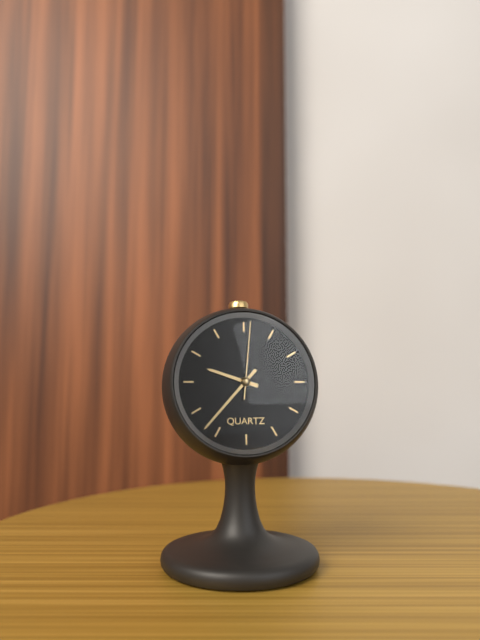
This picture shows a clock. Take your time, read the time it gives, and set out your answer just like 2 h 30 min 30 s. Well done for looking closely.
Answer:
9 h 37 min 01 s
